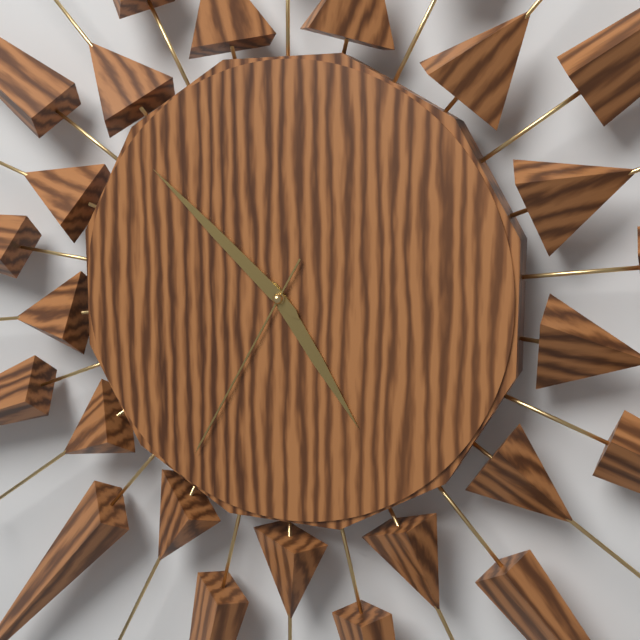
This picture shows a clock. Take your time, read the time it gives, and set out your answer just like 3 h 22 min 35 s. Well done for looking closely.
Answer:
4 h 52 min 35 s
